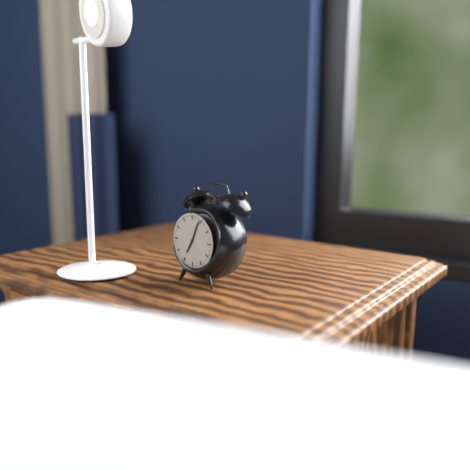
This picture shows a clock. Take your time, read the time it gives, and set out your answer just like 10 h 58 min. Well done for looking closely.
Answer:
7 h 04 min
